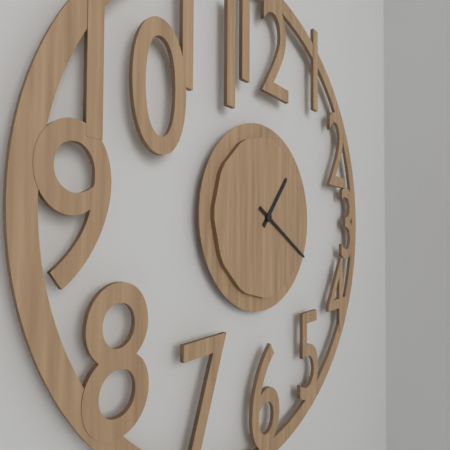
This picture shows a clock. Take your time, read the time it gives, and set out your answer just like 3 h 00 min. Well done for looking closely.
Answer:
1 h 20 min
